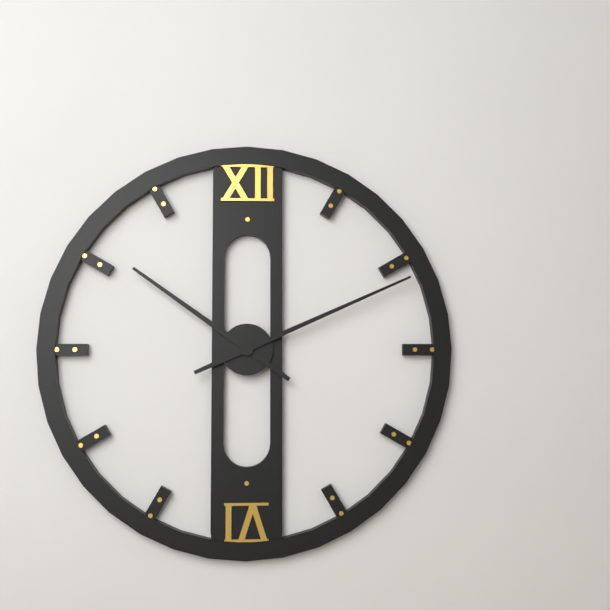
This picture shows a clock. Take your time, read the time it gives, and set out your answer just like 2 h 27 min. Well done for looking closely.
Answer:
10 h 11 min
